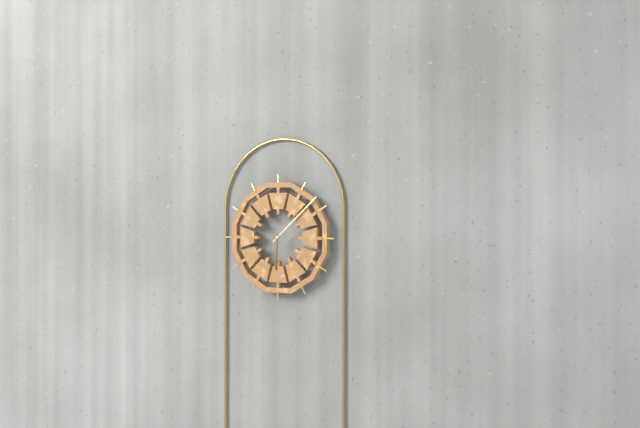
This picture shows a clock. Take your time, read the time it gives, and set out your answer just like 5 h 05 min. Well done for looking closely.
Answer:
6 h 08 min
